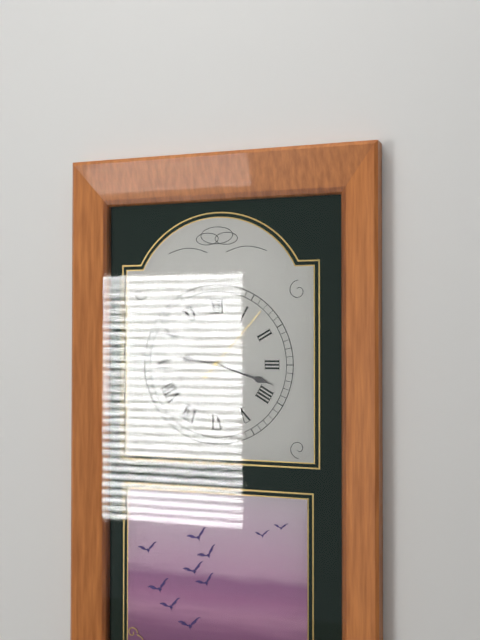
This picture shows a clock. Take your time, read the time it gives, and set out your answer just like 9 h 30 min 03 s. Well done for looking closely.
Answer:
9 h 18 min 07 s
